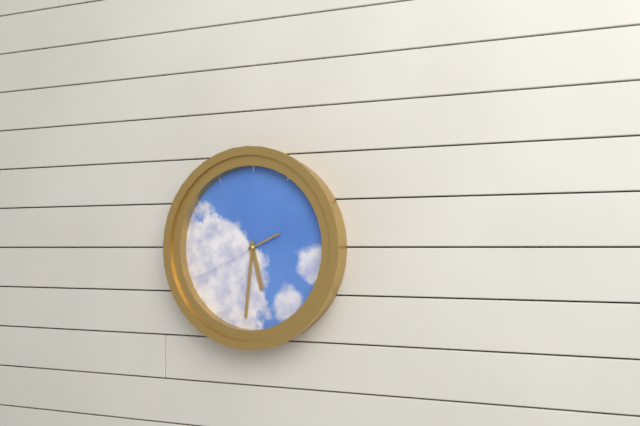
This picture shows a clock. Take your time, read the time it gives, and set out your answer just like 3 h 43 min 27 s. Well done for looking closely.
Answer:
5 h 31 min 41 s
